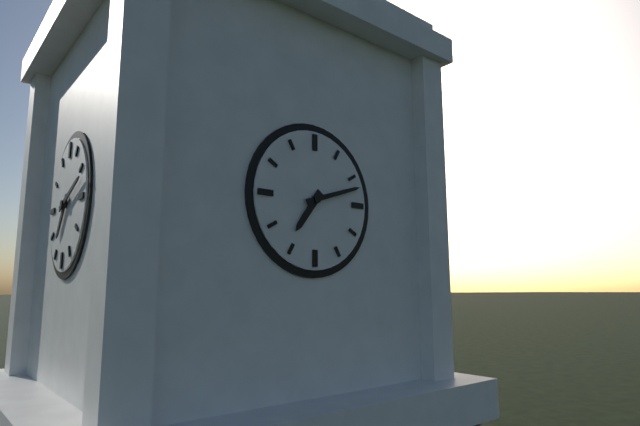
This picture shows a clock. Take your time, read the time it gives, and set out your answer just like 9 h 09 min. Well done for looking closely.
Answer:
7 h 12 min
